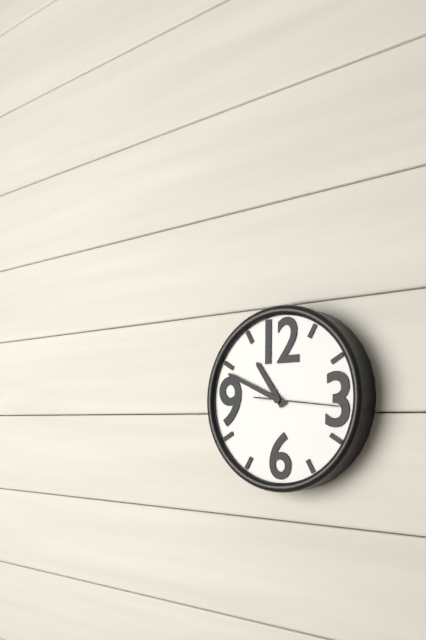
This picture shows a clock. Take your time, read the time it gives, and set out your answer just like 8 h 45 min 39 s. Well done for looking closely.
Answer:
10 h 49 min 16 s
